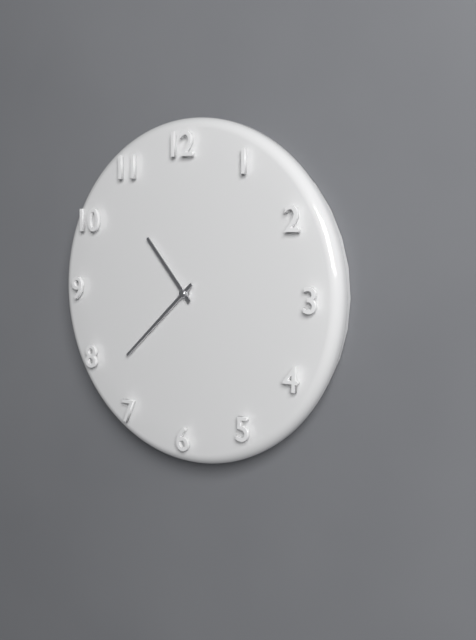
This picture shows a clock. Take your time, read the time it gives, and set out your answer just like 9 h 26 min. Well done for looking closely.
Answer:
10 h 38 min
